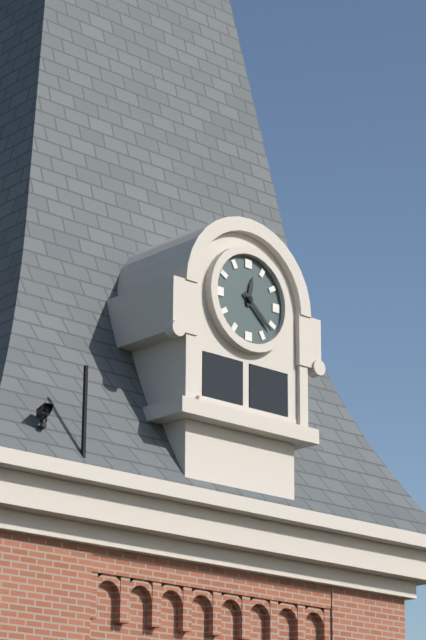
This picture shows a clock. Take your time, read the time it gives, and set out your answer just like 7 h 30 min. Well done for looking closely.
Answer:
12 h 22 min
